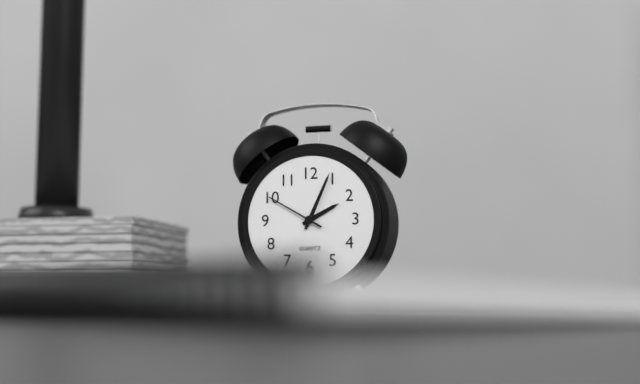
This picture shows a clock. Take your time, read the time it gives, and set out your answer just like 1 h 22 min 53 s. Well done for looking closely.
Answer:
2 h 04 min 50 s
